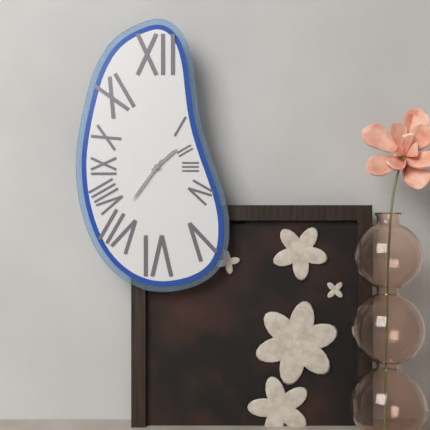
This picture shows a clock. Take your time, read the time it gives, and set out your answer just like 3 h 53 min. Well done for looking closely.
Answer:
1 h 36 min
